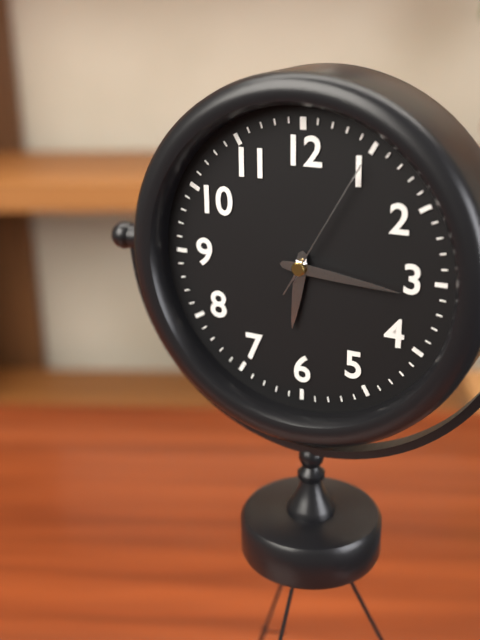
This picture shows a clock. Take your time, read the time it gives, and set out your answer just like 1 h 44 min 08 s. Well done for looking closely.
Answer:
6 h 16 min 05 s
